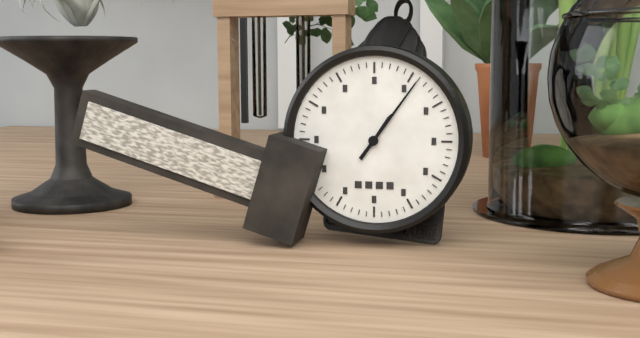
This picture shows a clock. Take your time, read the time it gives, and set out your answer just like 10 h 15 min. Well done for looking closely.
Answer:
1 h 06 min
